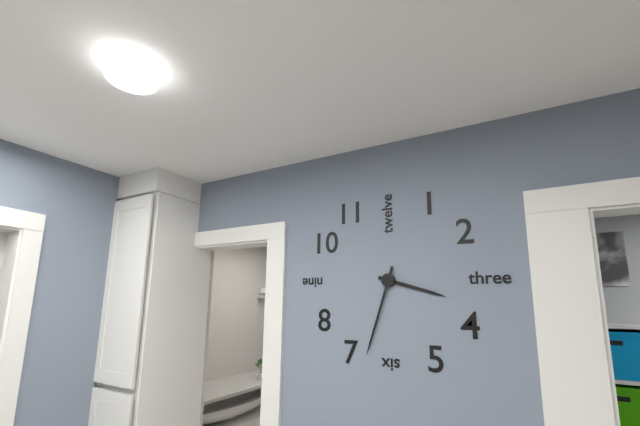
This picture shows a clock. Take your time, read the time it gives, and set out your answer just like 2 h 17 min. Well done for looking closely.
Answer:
3 h 33 min
